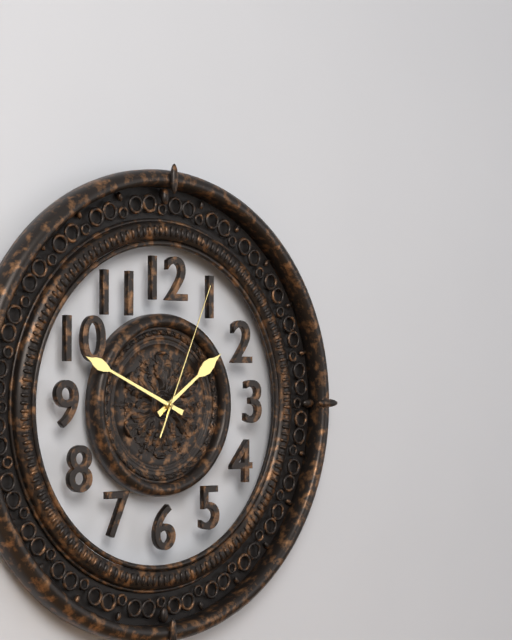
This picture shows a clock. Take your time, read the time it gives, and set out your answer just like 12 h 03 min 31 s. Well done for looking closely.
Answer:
1 h 49 min 04 s
